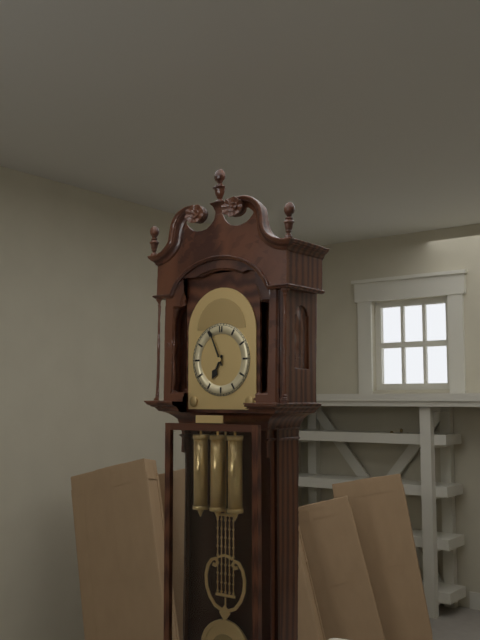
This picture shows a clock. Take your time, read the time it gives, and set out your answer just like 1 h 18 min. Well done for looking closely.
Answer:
6 h 56 min
